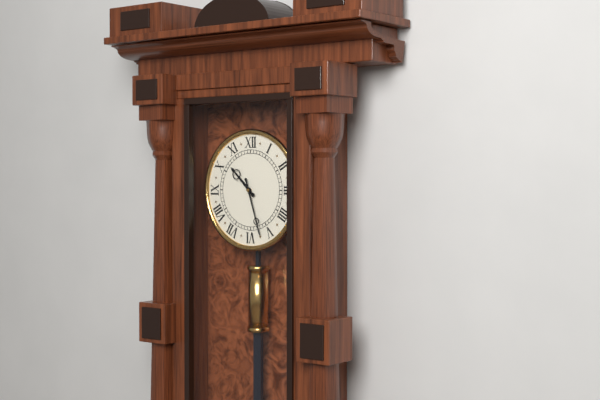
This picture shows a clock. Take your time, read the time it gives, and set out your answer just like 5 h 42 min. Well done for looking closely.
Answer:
10 h 27 min
